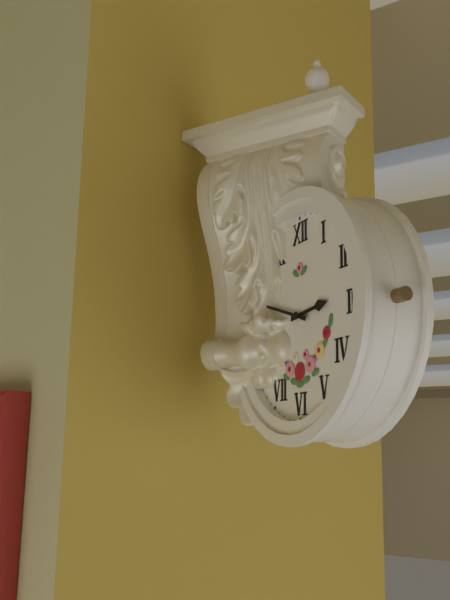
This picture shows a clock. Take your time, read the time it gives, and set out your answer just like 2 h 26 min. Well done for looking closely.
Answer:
2 h 48 min
